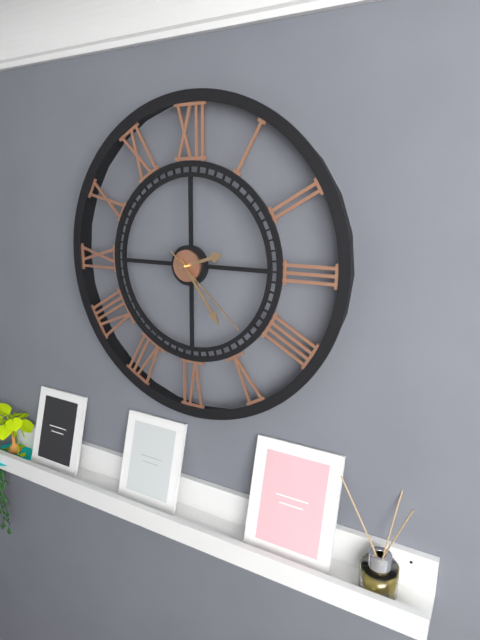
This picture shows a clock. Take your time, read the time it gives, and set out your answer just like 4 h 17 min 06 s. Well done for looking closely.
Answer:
2 h 24 min 22 s
